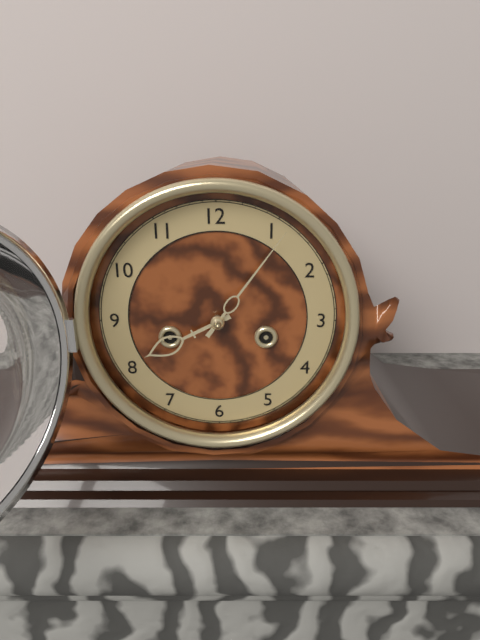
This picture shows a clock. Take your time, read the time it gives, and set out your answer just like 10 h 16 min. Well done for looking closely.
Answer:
8 h 06 min
